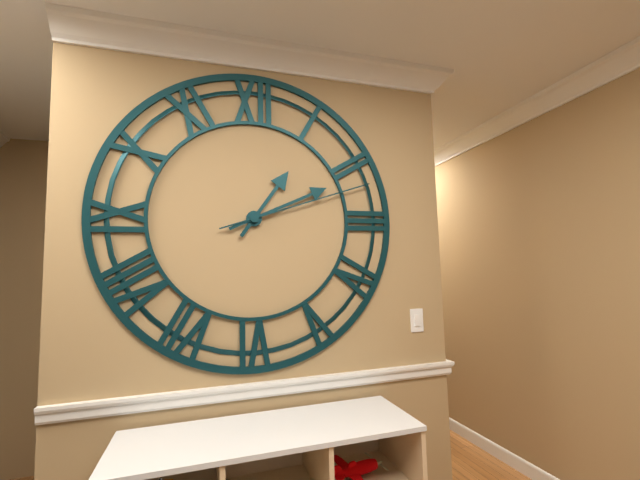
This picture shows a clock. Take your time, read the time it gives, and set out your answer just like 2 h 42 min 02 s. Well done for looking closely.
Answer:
1 h 11 min 12 s
